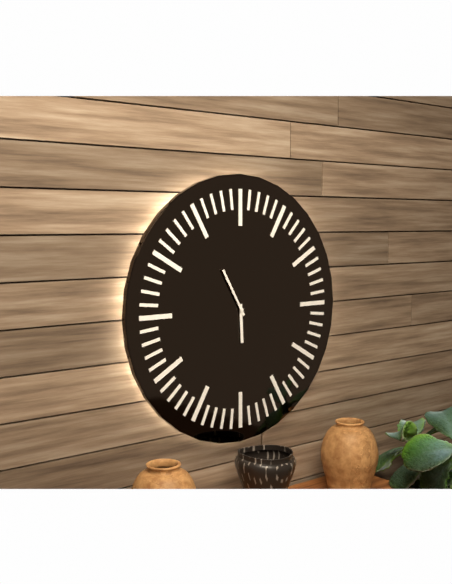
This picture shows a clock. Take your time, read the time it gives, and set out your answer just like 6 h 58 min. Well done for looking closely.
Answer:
5 h 55 min
